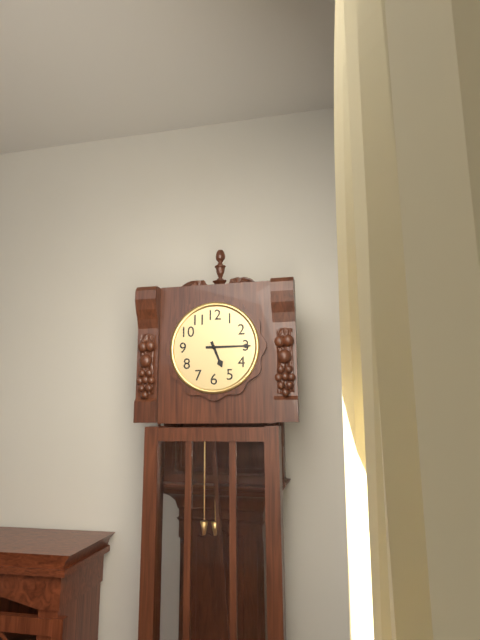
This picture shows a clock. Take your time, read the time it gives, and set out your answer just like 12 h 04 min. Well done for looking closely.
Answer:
5 h 15 min
